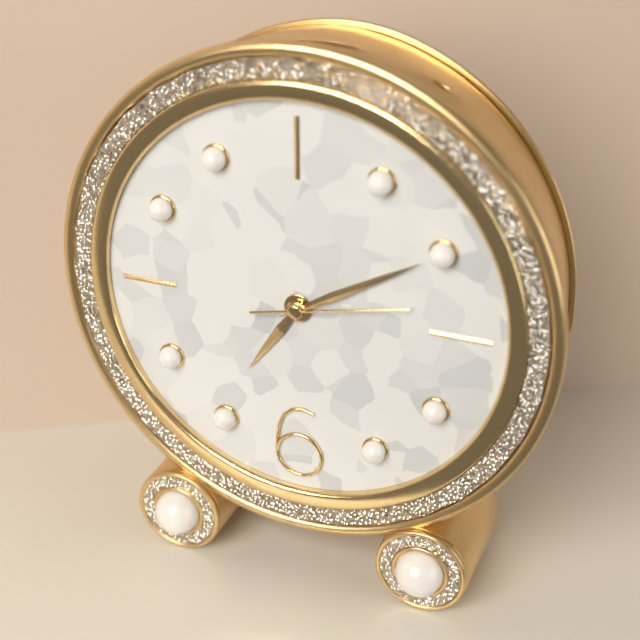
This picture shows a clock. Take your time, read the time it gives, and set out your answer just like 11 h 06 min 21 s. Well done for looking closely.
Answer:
7 h 10 min 13 s
